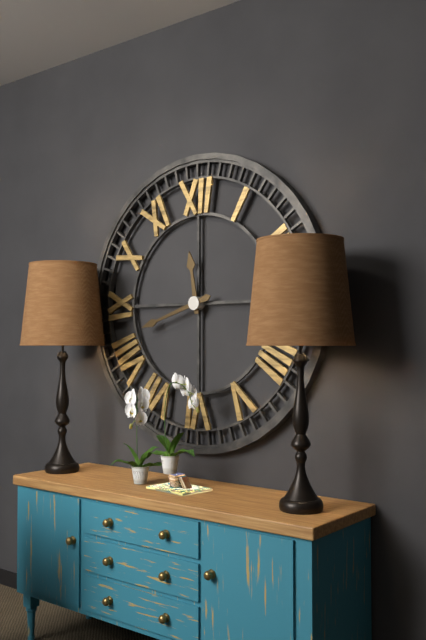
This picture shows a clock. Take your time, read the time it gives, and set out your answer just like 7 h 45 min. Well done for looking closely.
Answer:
11 h 42 min
